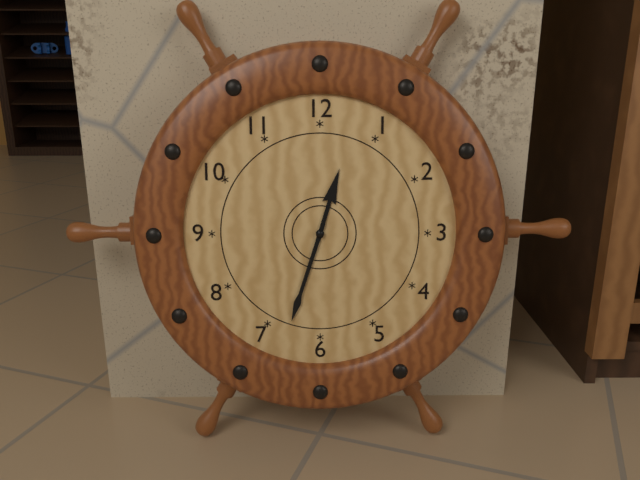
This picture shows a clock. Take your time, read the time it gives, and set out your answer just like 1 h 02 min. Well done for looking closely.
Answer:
12 h 33 min
